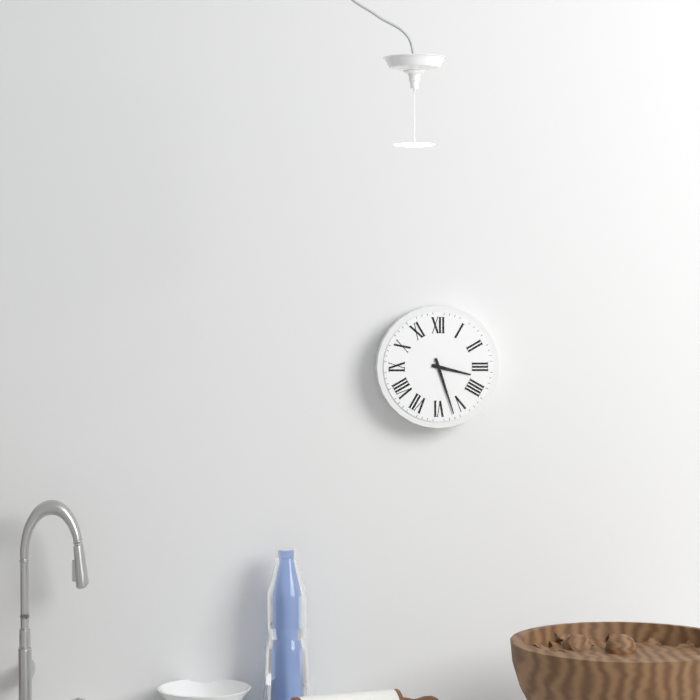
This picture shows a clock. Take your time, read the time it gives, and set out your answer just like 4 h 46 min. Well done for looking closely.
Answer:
3 h 27 min
